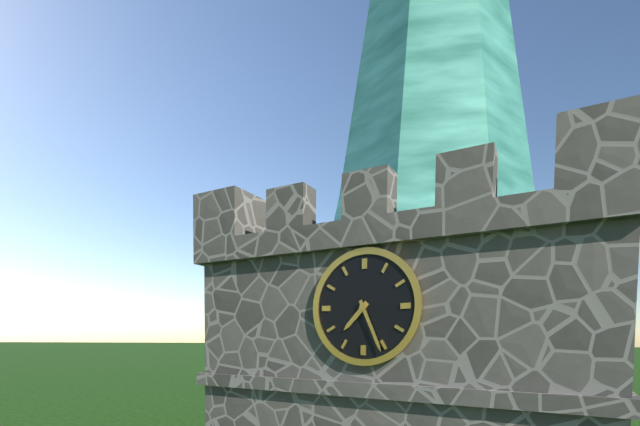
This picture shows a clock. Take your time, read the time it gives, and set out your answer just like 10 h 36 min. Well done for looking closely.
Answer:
7 h 26 min
